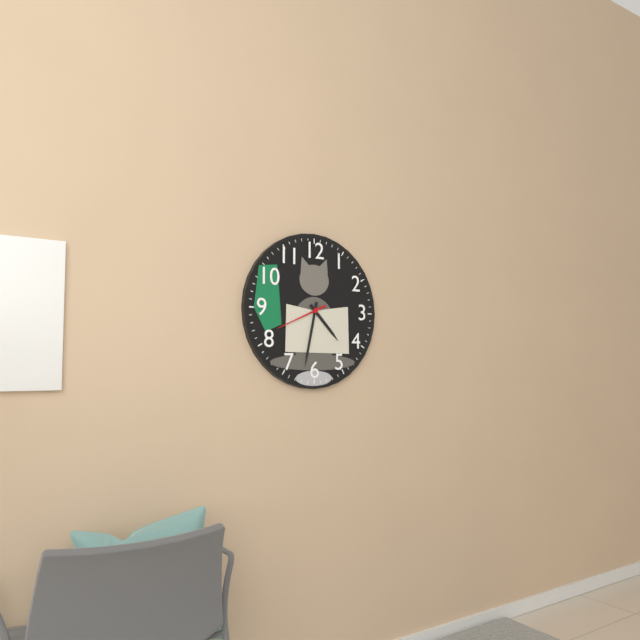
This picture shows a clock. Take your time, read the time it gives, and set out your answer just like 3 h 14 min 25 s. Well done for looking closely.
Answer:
4 h 32 min 41 s
